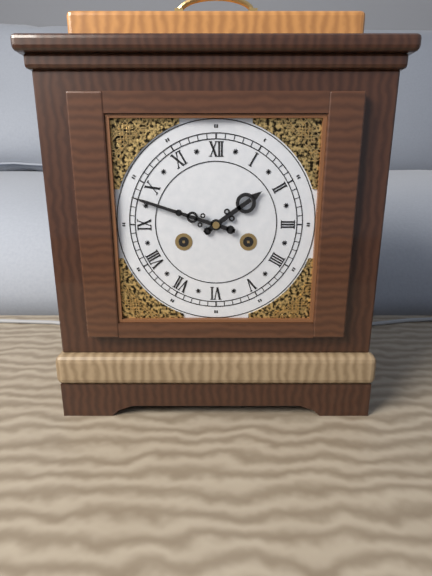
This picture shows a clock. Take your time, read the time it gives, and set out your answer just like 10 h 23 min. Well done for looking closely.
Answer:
1 h 48 min
